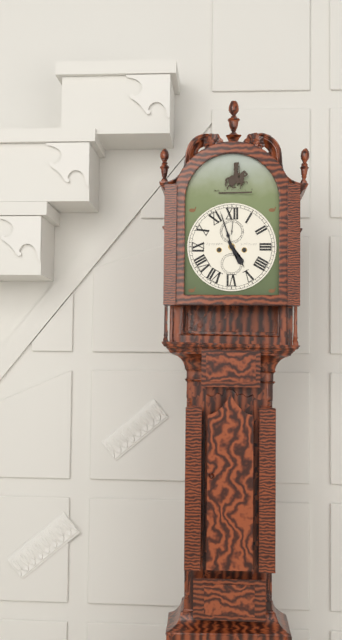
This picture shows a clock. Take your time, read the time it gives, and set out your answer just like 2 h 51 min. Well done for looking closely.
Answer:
4 h 57 min
